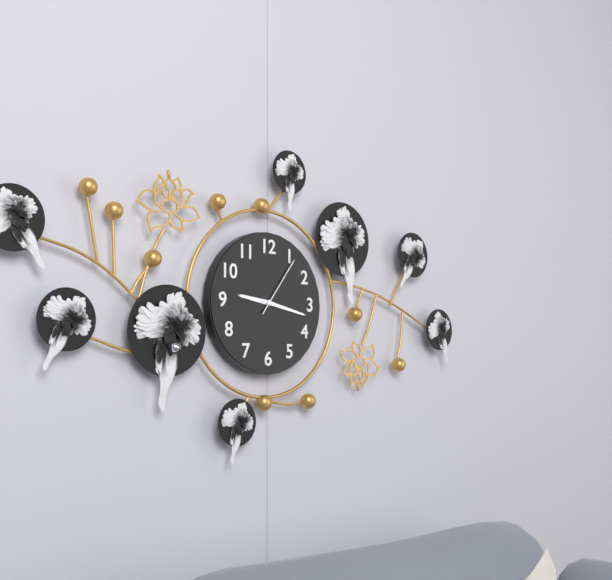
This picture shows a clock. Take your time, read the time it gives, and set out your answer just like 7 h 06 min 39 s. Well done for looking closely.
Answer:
9 h 17 min 06 s
